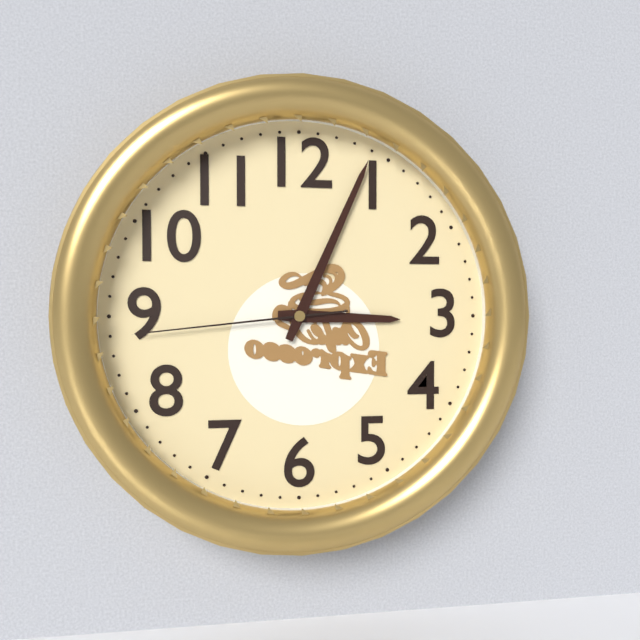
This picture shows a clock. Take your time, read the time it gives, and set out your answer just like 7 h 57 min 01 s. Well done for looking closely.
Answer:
3 h 04 min 44 s
